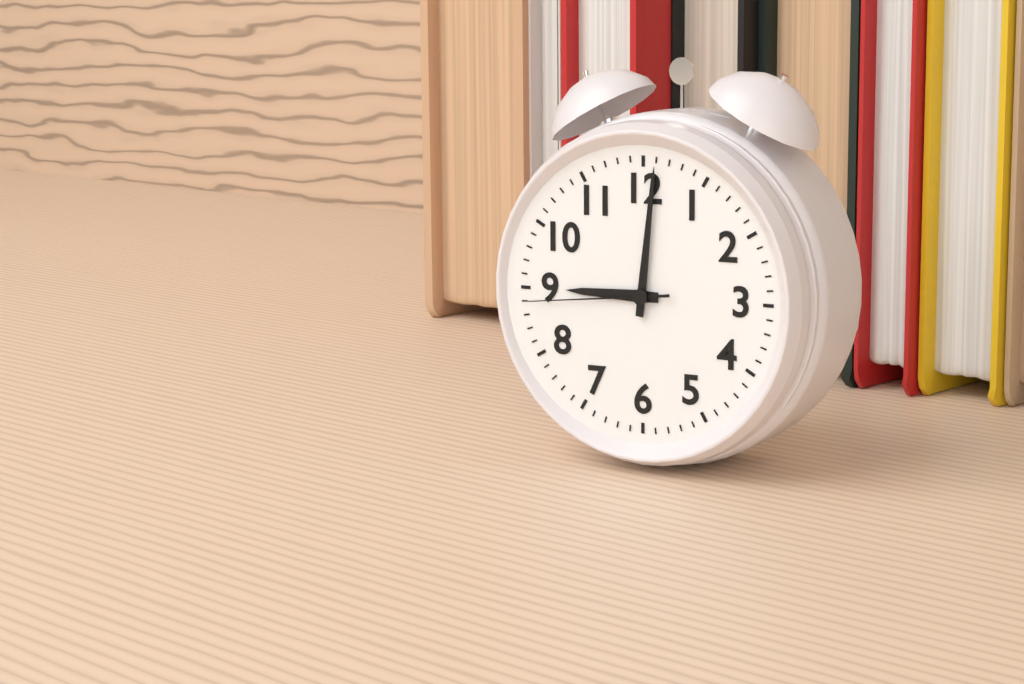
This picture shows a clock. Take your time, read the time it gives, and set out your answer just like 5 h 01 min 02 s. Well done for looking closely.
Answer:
9 h 01 min 44 s
